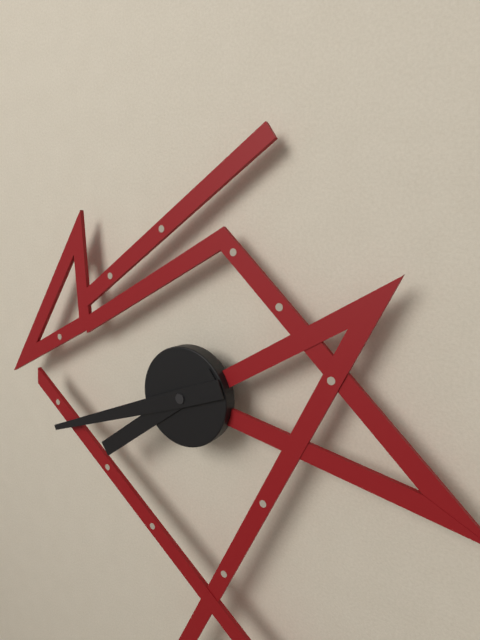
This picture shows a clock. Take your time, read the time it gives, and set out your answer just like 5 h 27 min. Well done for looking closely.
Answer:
7 h 41 min
